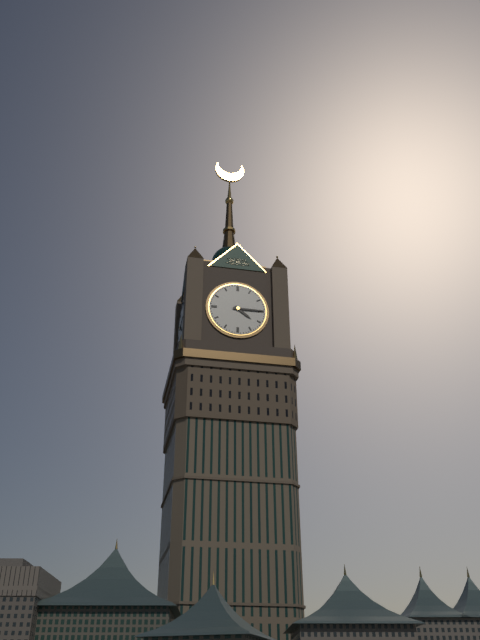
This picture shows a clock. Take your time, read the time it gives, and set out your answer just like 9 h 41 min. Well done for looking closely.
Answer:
4 h 15 min
